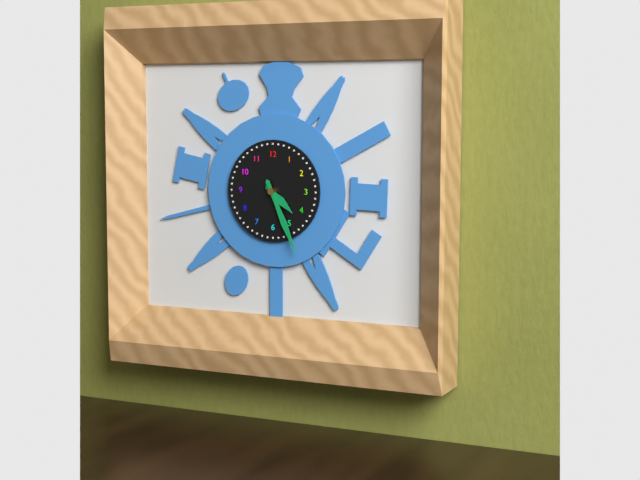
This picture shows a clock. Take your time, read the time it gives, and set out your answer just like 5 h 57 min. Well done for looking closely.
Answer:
4 h 26 min
